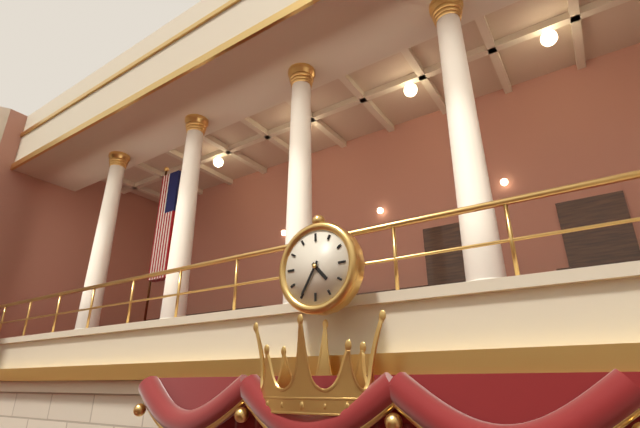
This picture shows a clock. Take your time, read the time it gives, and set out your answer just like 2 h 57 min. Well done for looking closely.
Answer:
4 h 35 min
